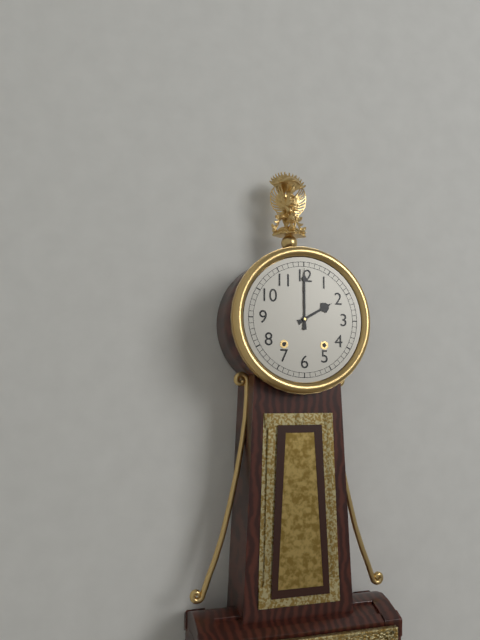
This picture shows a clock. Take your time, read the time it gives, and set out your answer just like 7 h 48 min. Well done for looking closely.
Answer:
2 h 00 min
